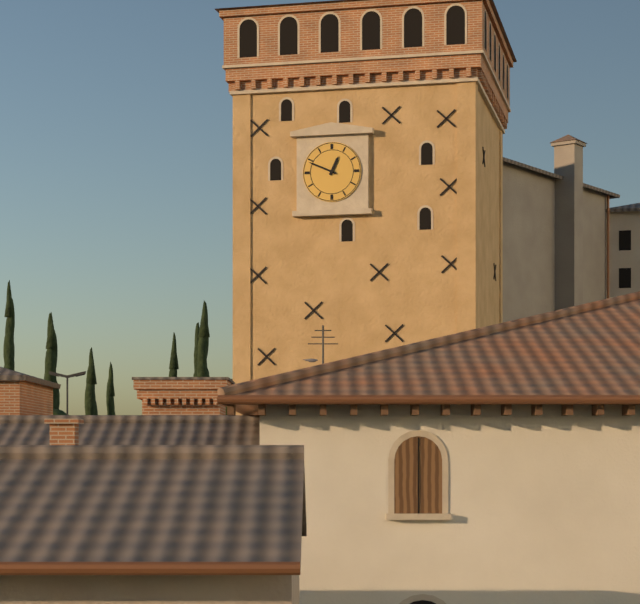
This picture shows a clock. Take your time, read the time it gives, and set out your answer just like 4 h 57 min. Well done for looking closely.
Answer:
12 h 49 min
